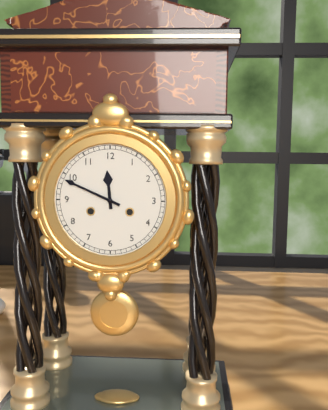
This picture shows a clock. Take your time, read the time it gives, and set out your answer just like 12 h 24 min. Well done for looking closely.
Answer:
11 h 49 min
